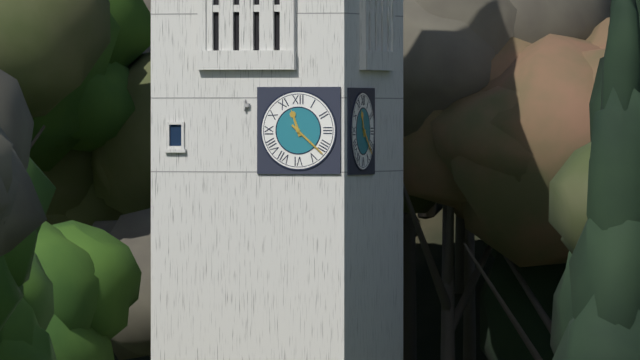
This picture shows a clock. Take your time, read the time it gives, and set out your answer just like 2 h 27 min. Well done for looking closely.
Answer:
11 h 22 min
